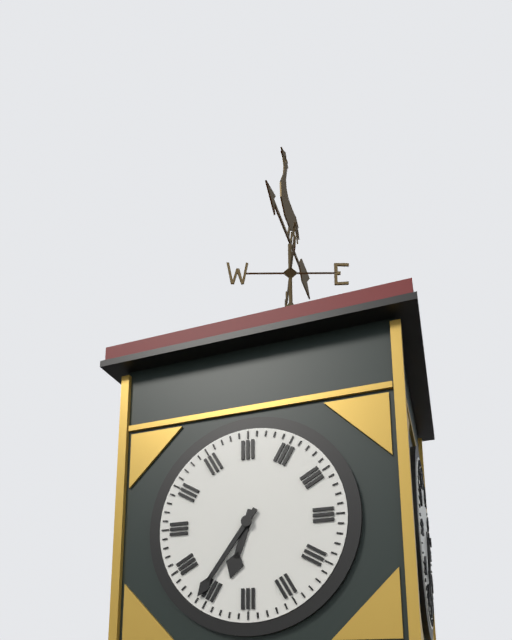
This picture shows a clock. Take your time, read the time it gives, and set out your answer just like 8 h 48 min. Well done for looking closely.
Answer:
6 h 36 min
